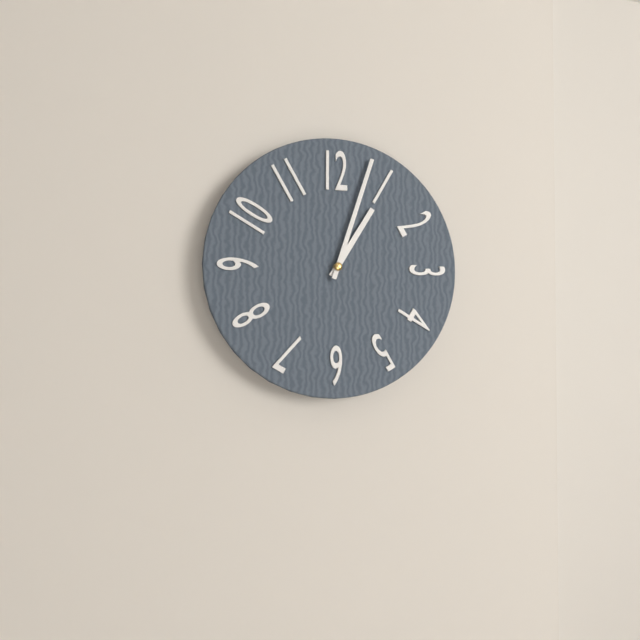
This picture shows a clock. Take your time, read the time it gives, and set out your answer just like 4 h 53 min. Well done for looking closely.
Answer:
1 h 03 min
